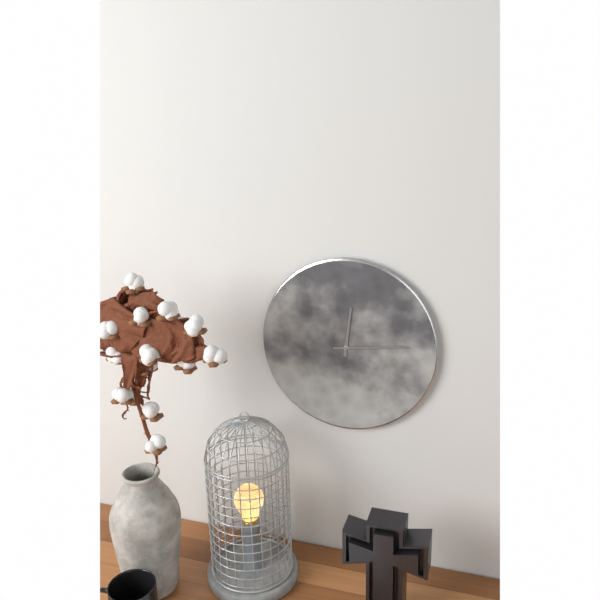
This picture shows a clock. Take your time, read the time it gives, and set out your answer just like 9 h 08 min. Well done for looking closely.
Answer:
12 h 14 min
